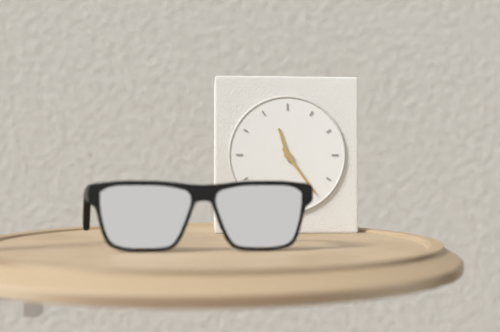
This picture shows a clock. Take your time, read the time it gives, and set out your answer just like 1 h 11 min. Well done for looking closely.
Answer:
11 h 24 min
